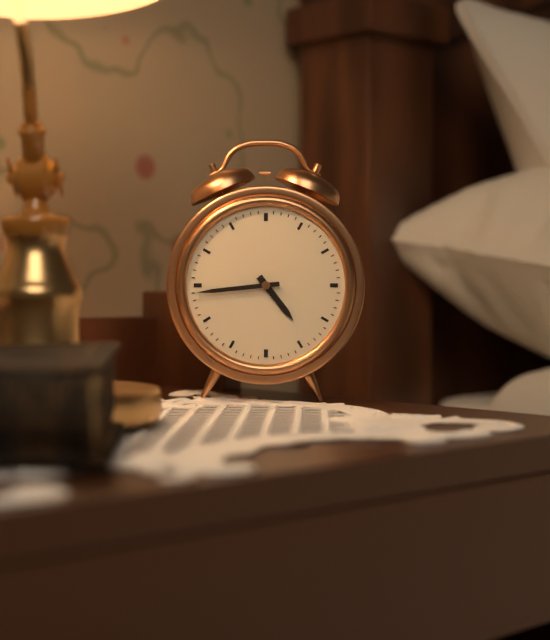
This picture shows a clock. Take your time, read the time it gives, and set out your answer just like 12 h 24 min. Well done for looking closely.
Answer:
4 h 44 min
